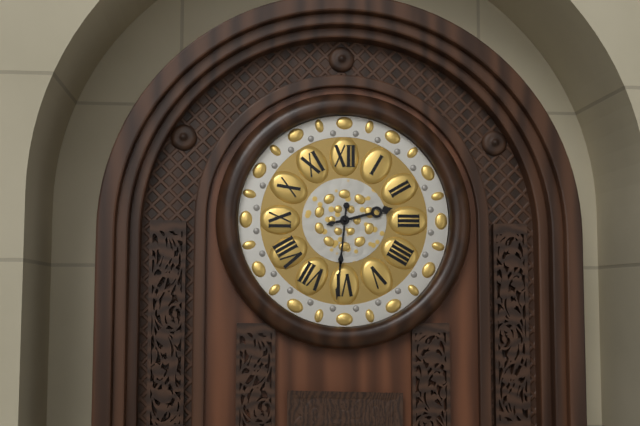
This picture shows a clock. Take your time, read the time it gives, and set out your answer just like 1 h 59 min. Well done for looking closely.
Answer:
2 h 31 min
